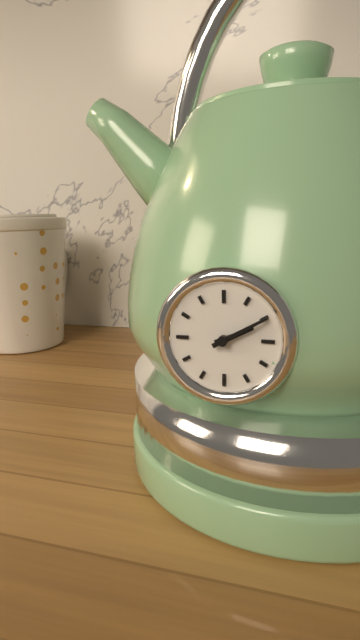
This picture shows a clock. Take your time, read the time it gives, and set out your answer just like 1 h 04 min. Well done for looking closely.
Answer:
2 h 10 min
